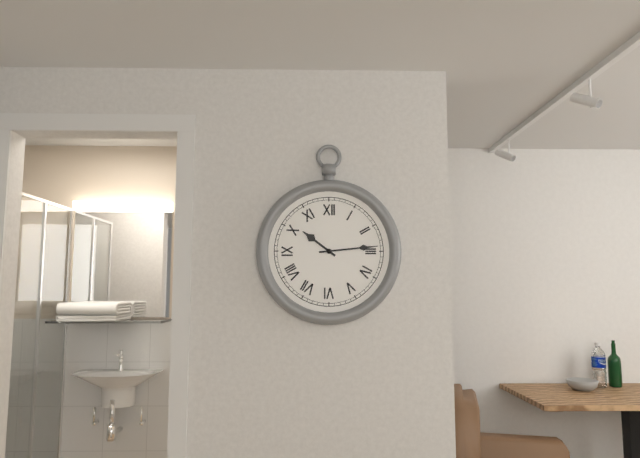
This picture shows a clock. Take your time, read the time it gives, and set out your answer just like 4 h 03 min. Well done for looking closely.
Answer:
10 h 14 min
